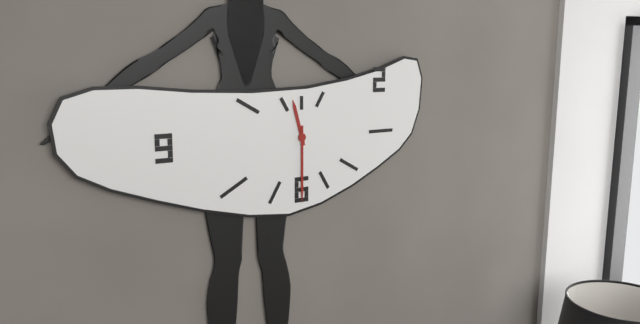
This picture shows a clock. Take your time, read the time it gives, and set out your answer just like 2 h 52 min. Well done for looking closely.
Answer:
11 h 30 min
